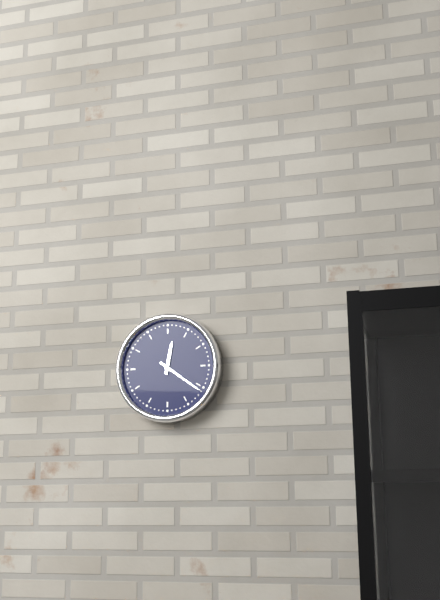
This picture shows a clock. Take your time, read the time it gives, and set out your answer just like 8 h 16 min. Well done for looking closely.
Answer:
12 h 21 min
